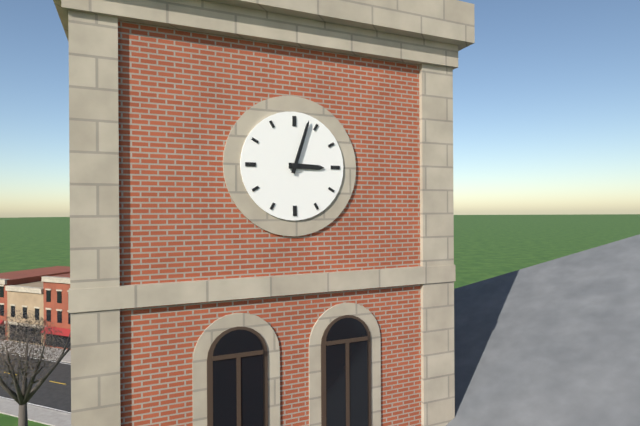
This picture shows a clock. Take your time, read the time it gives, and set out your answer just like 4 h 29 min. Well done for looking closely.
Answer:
3 h 03 min
